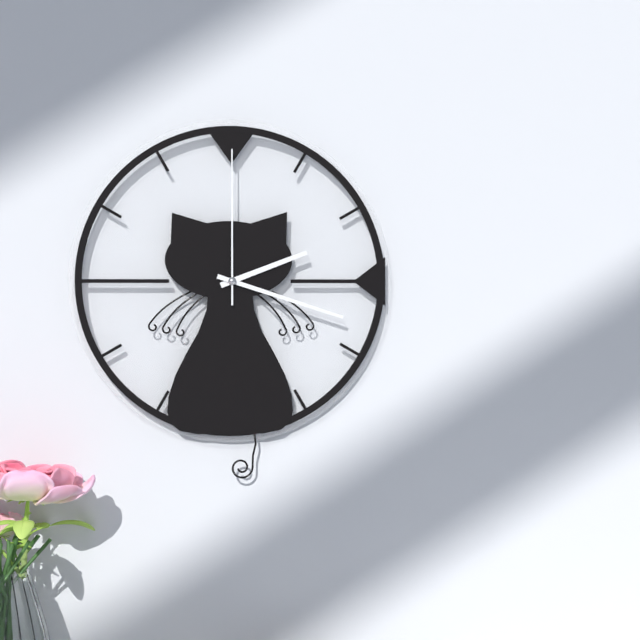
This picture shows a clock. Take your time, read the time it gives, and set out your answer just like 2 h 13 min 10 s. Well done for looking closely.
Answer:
2 h 18 min 00 s
